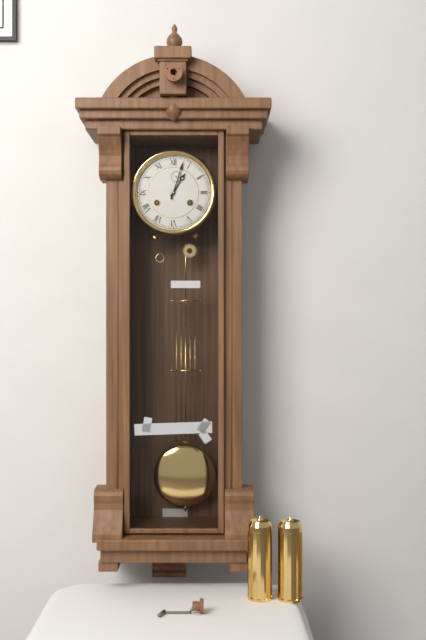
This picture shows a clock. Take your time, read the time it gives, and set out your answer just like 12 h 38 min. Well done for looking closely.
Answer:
1 h 03 min
